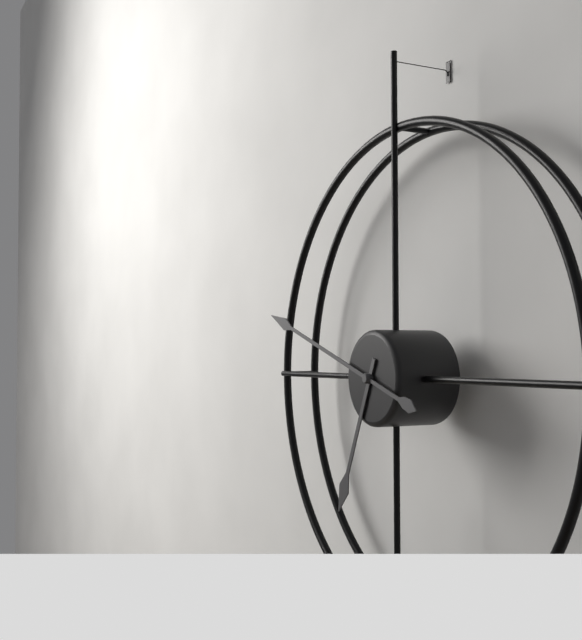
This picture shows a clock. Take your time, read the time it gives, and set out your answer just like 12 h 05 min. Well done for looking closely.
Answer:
6 h 48 min
